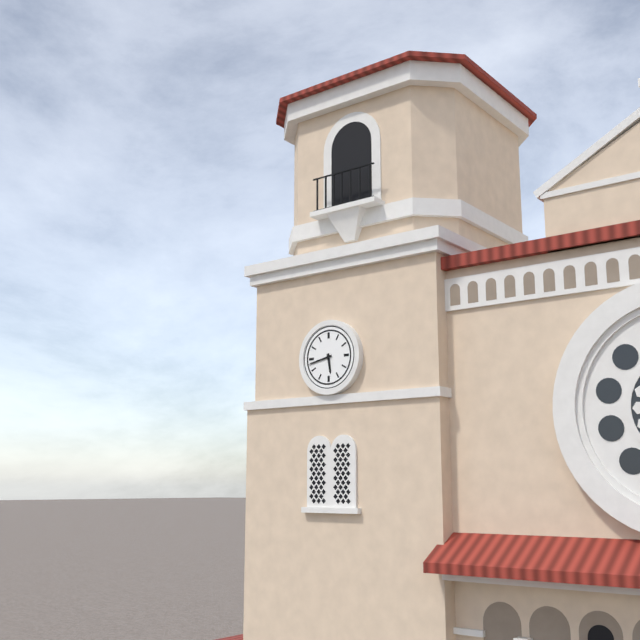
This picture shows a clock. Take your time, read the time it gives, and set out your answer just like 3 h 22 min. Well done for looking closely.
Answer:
5 h 43 min
